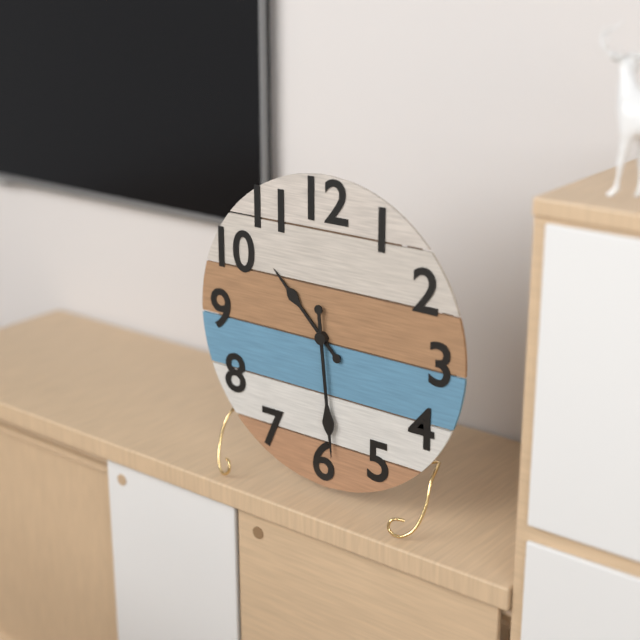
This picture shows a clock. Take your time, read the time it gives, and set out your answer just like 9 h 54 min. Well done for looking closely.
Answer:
10 h 29 min
